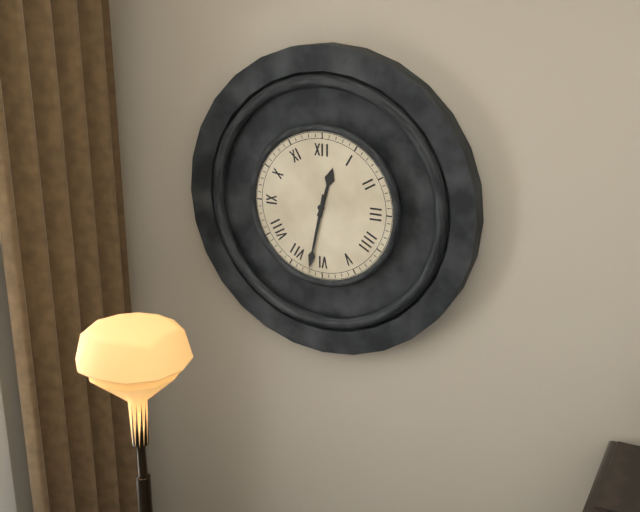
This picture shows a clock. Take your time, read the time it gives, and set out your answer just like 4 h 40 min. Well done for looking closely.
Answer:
12 h 32 min
